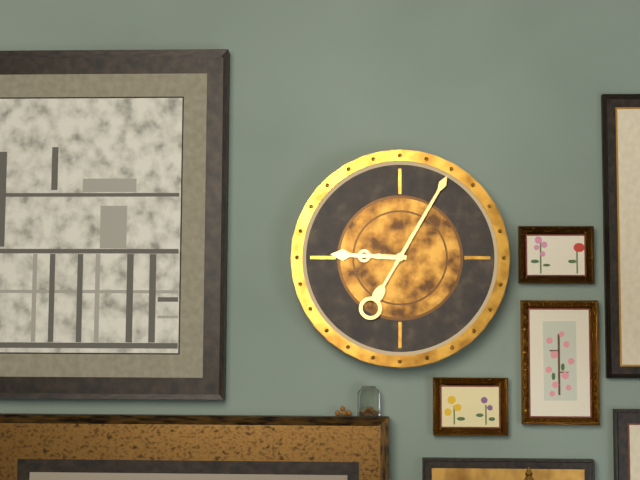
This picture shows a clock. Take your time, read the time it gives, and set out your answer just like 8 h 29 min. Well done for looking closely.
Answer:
9 h 05 min
